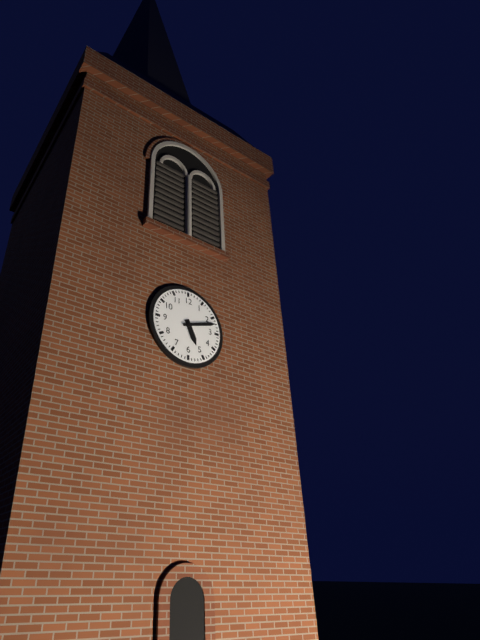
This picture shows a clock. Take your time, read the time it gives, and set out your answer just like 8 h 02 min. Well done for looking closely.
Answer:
5 h 12 min
